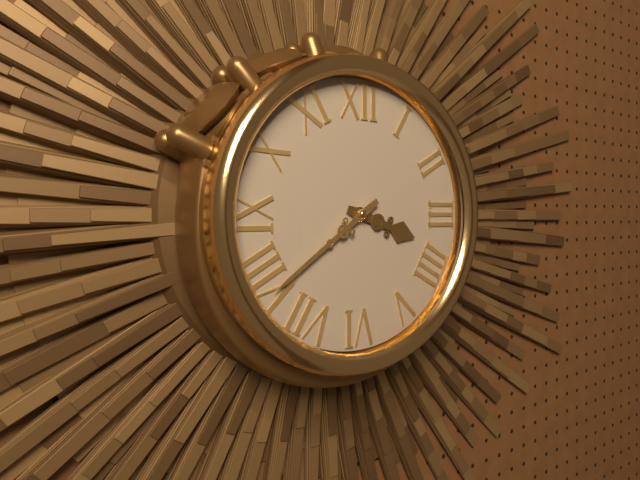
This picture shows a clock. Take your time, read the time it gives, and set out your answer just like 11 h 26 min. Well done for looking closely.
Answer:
3 h 39 min
